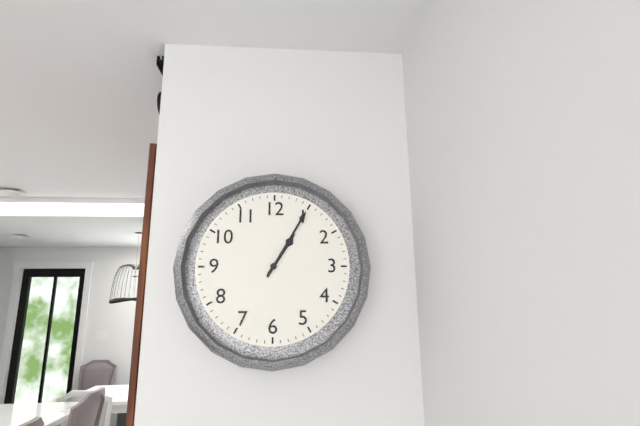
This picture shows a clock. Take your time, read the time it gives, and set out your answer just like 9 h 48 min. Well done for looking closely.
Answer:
1 h 05 min
